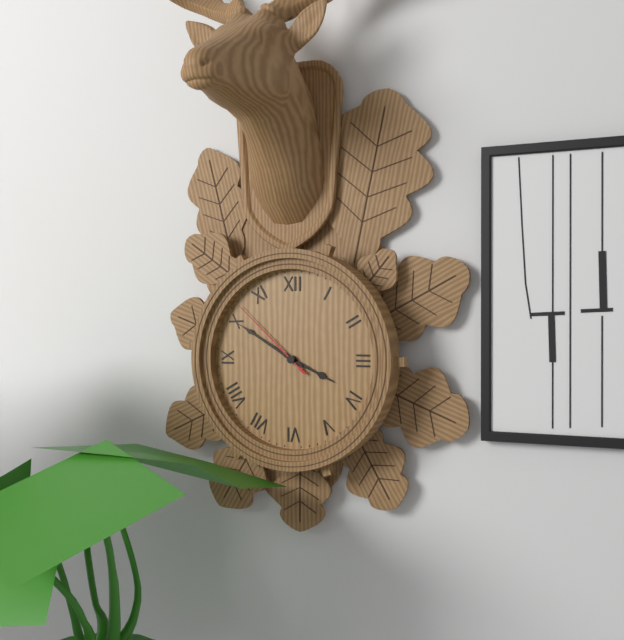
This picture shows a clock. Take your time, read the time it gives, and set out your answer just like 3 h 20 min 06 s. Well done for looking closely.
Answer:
3 h 50 min 52 s
